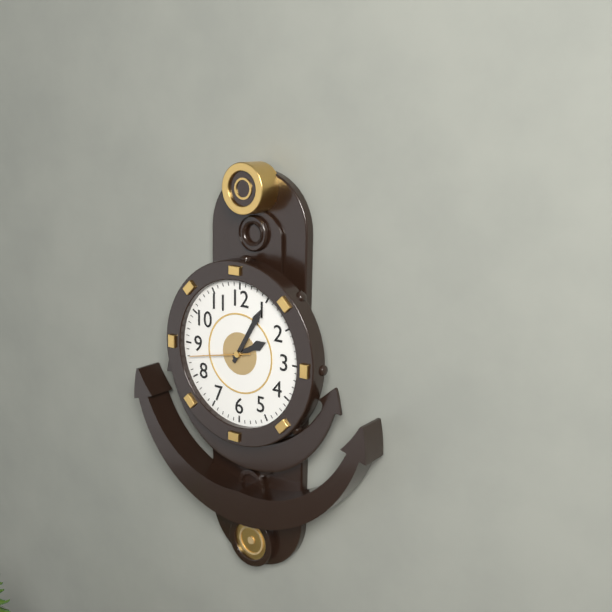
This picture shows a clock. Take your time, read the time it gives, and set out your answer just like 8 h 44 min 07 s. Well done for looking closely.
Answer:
2 h 05 min 43 s
